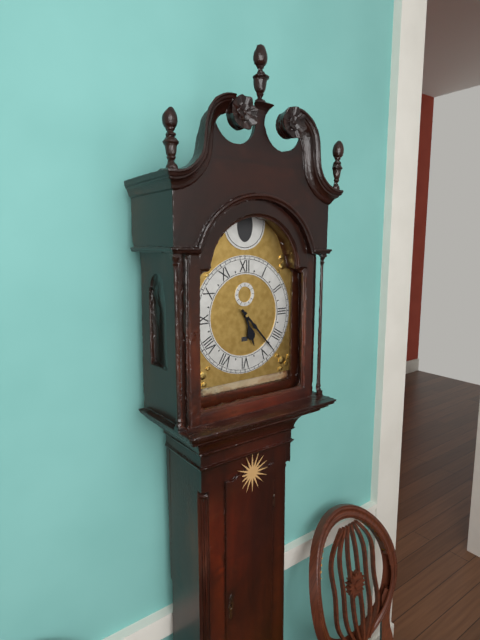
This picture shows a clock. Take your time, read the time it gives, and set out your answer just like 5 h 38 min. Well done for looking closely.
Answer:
5 h 23 min
